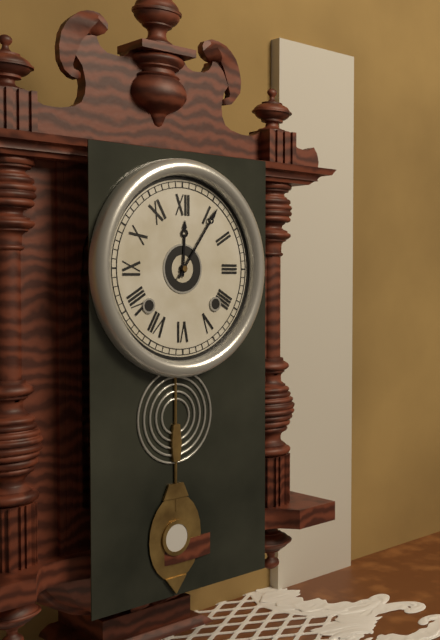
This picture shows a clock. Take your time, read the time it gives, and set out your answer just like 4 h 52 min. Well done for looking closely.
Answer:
12 h 06 min
